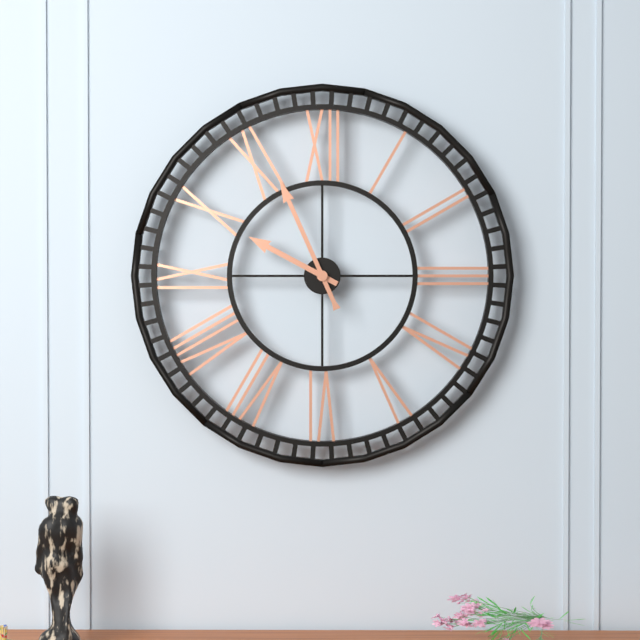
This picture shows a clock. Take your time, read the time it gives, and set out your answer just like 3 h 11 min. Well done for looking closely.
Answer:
9 h 56 min
